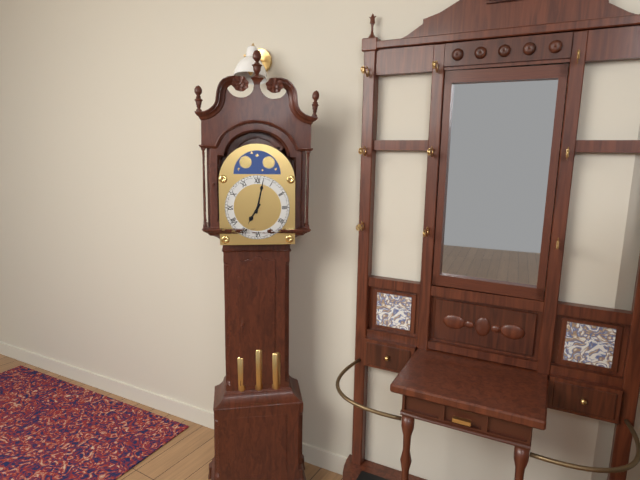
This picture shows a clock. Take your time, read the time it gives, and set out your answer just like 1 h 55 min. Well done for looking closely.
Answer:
7 h 02 min
